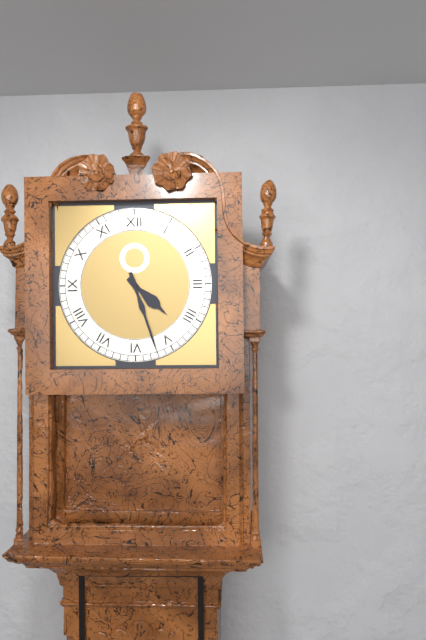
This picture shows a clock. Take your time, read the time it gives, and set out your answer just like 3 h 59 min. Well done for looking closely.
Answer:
4 h 27 min
